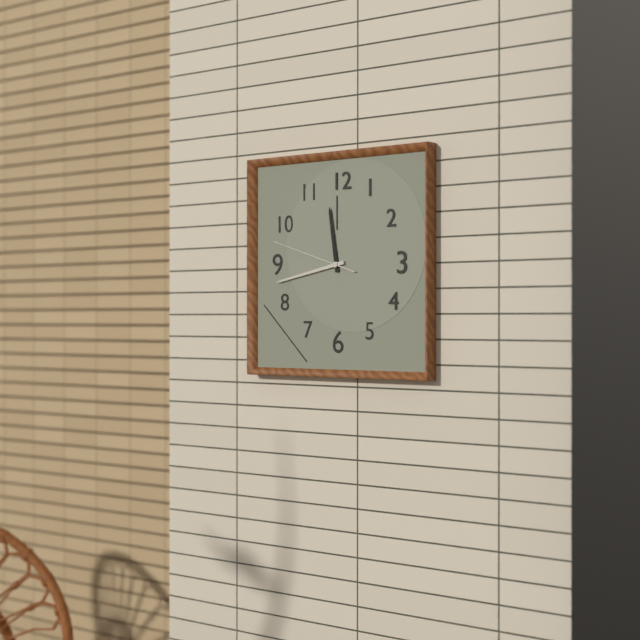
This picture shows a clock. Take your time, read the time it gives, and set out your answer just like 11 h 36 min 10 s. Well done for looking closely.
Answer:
11 h 43 min 48 s
